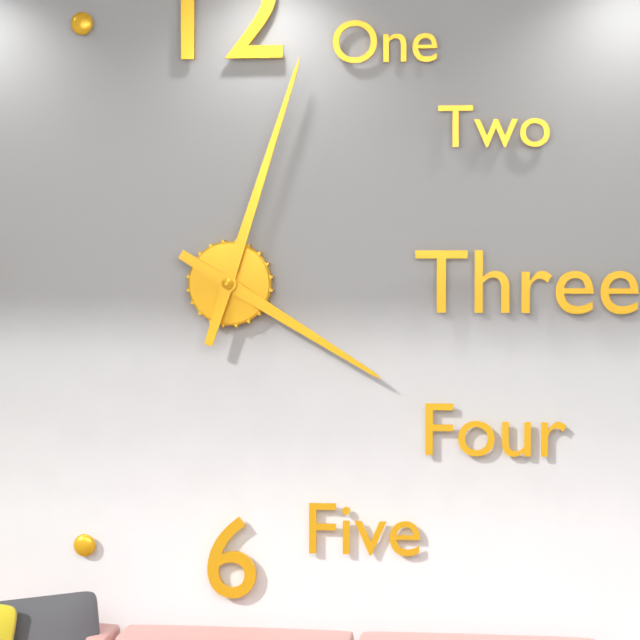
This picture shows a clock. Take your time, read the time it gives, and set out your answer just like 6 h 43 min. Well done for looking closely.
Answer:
4 h 03 min
